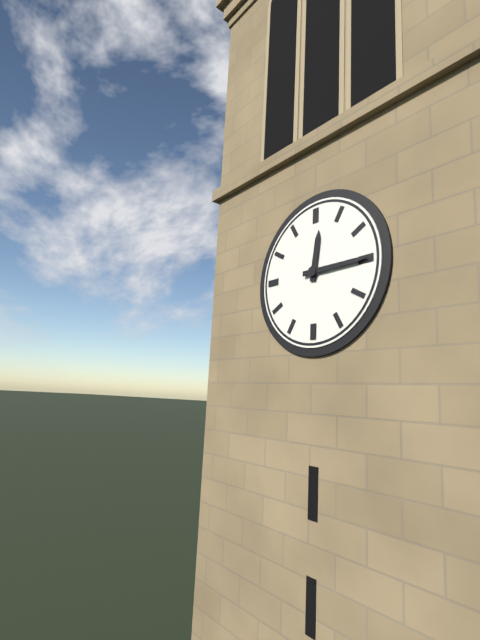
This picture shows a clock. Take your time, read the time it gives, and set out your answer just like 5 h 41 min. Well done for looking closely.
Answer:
12 h 15 min
